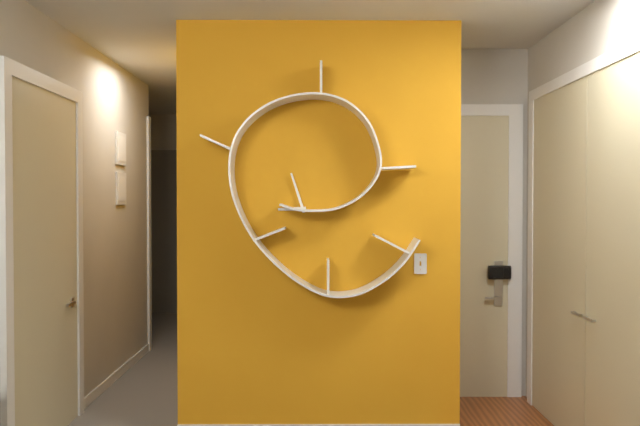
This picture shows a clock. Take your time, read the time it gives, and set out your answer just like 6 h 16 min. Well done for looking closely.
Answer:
8 h 57 min
